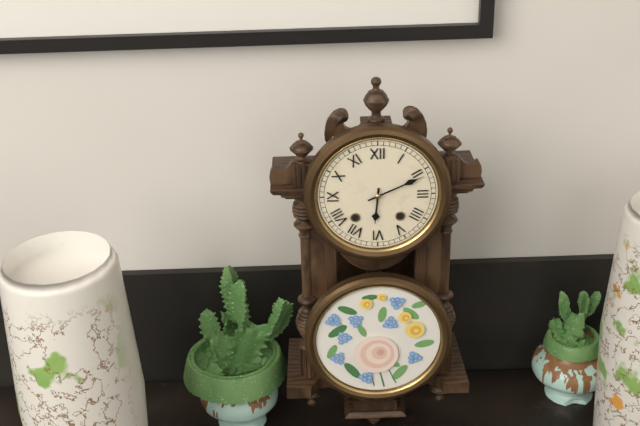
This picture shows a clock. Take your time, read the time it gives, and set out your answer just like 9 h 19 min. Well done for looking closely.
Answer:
6 h 11 min
